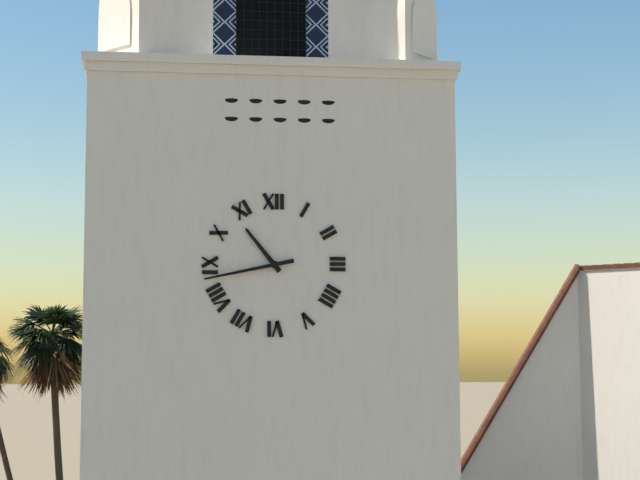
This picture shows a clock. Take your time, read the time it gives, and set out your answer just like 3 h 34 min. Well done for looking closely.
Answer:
10 h 43 min
